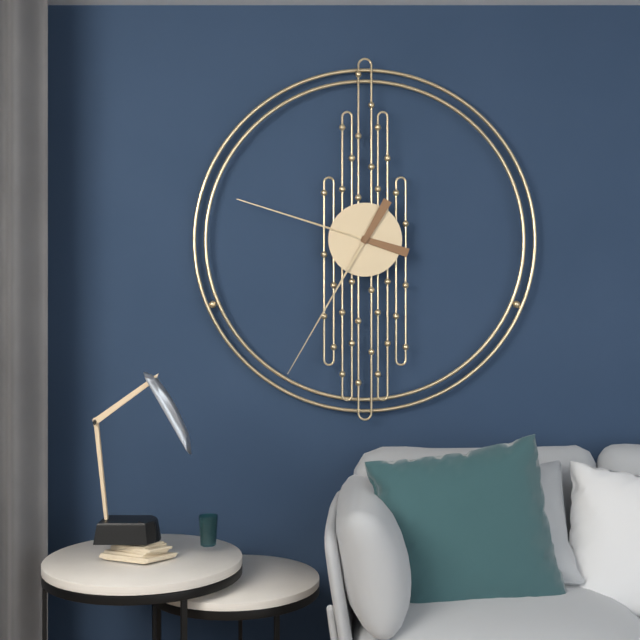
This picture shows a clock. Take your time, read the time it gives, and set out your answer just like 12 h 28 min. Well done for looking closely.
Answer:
9 h 35 min
